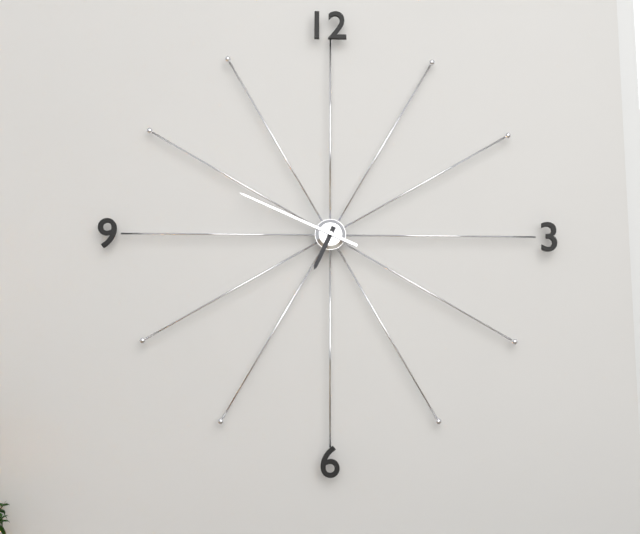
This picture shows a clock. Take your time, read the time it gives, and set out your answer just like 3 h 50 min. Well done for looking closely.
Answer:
6 h 49 min
